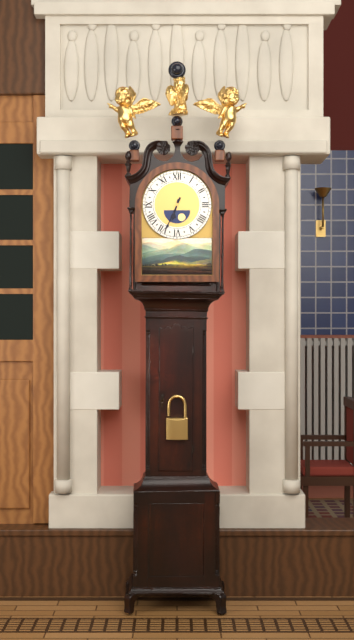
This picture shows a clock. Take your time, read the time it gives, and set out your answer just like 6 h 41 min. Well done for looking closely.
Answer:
6 h 34 min
